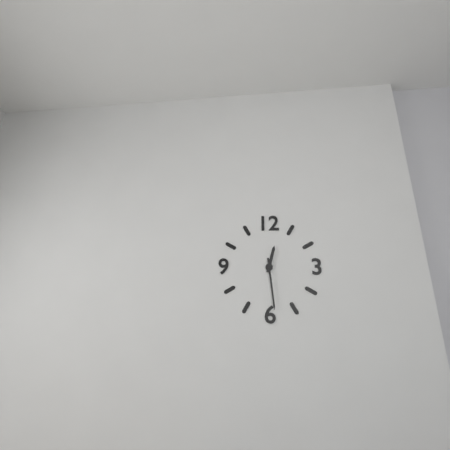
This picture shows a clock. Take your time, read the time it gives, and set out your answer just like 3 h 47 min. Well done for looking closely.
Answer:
12 h 29 min
